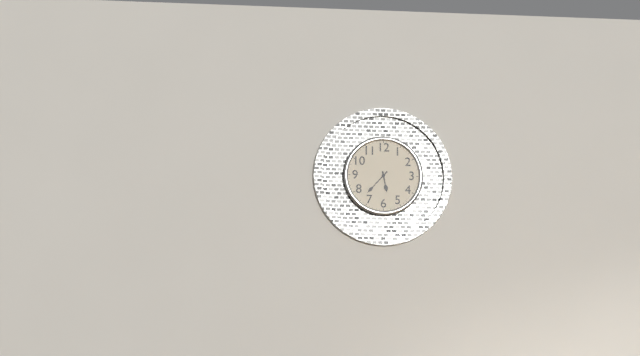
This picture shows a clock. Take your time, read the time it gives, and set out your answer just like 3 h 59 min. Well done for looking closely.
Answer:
5 h 37 min
